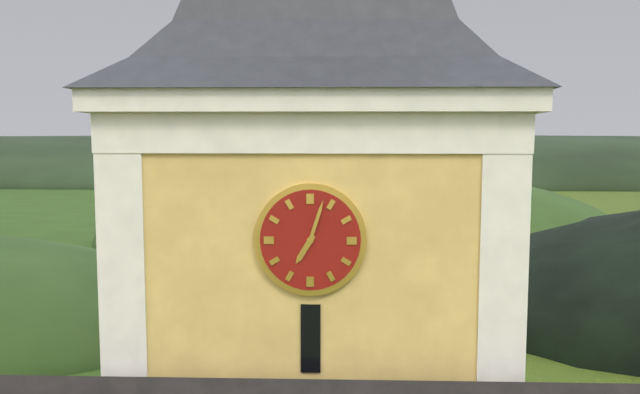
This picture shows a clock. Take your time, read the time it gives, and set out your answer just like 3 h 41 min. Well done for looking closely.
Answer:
7 h 03 min
